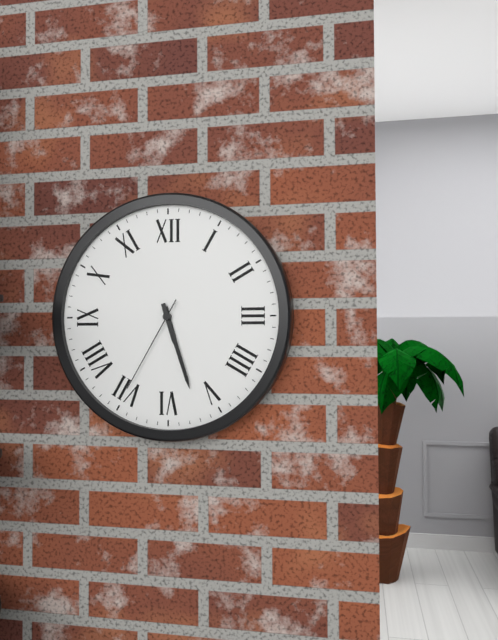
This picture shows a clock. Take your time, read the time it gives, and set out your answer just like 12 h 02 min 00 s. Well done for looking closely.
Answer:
5 h 27 min 35 s
